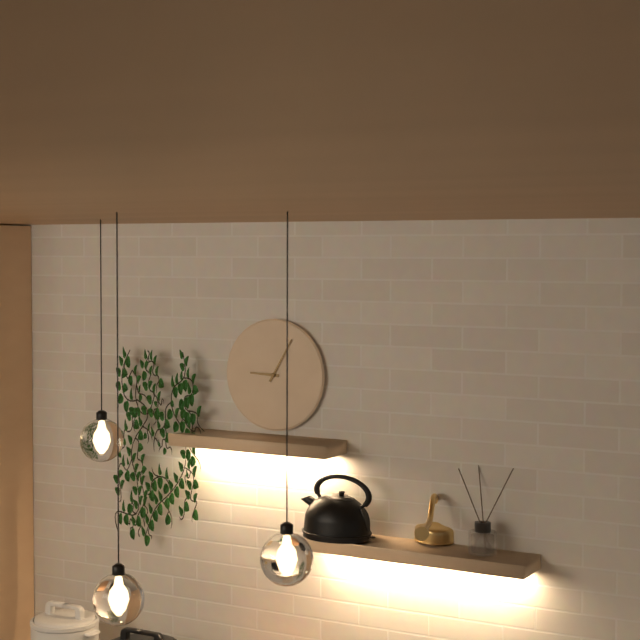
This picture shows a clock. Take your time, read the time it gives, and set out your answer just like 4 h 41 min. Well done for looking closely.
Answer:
9 h 05 min
